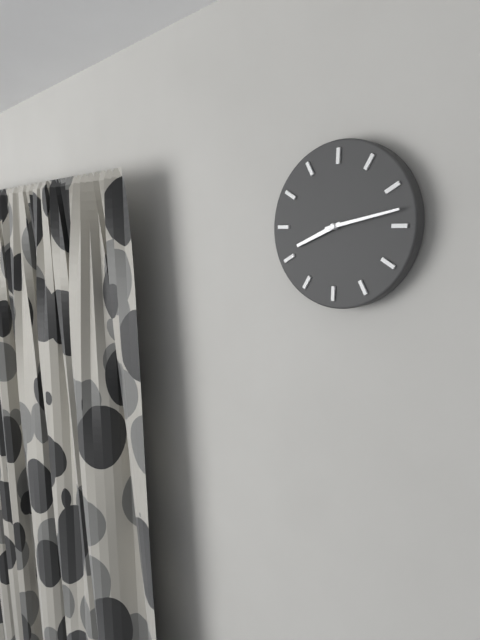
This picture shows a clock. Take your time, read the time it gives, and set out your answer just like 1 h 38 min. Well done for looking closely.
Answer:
8 h 13 min
